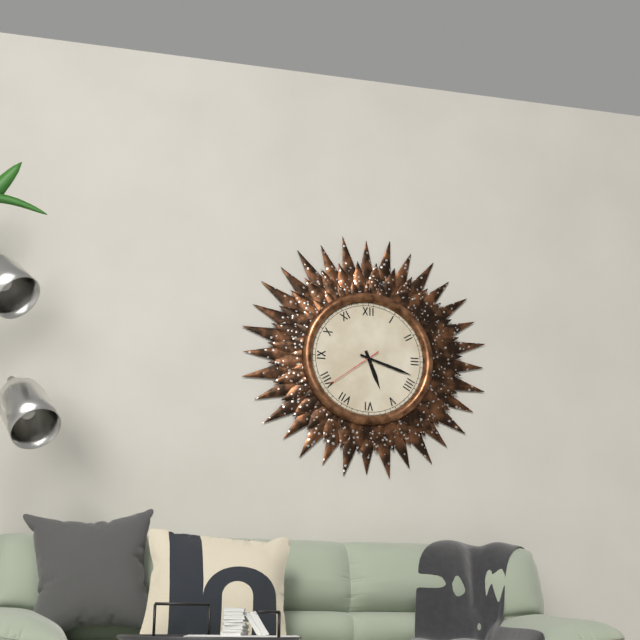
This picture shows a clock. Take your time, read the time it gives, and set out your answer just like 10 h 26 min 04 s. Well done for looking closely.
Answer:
5 h 18 min 39 s
